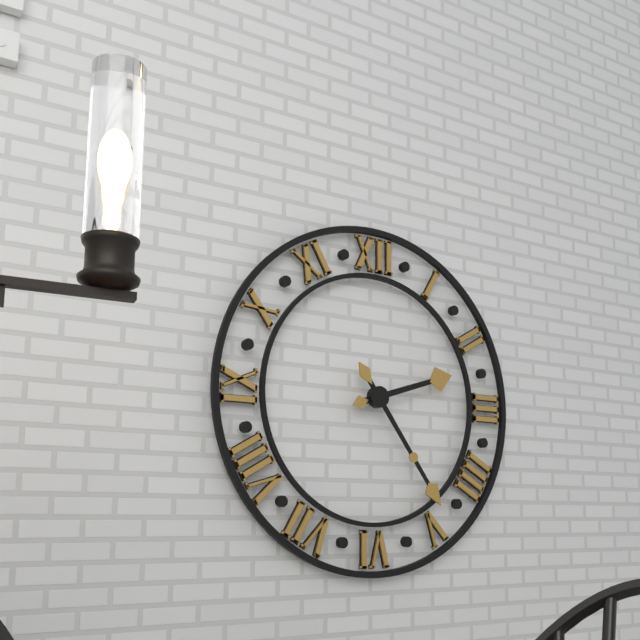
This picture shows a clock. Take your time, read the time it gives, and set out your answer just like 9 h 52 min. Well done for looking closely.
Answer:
2 h 24 min
